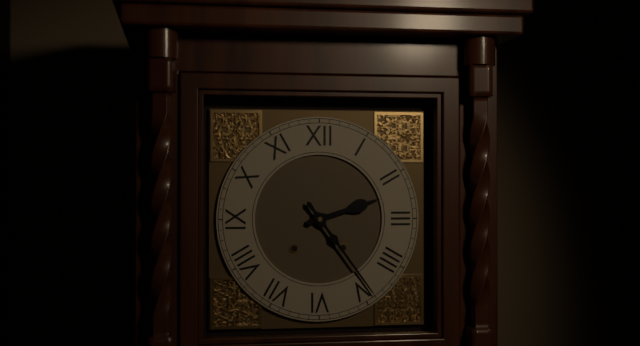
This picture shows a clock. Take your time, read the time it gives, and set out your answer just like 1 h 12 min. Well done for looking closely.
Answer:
2 h 24 min
